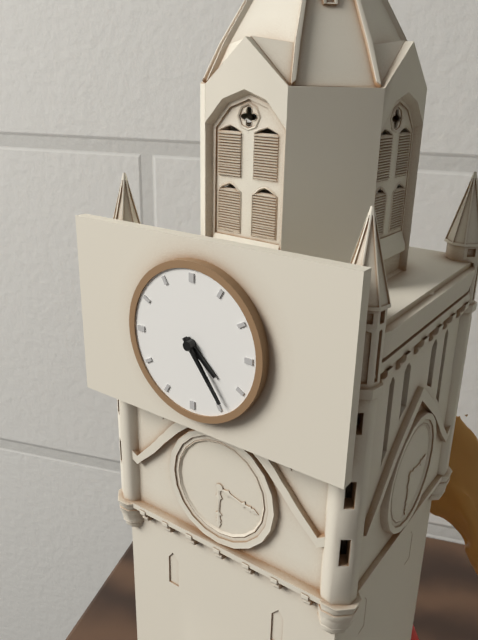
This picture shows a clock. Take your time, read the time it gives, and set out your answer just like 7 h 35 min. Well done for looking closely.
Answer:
4 h 24 min
